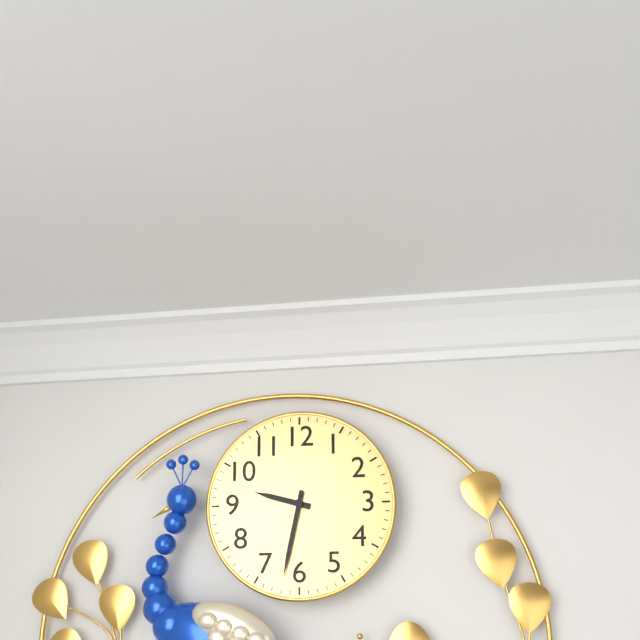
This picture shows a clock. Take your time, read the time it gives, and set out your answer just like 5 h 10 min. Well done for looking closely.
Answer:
9 h 32 min
